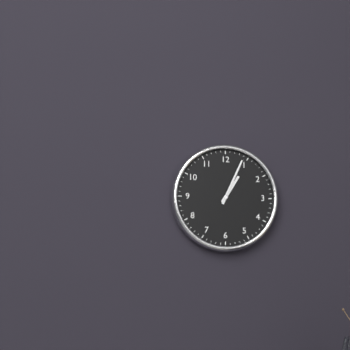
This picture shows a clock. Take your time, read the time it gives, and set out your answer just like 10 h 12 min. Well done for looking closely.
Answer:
1 h 04 min
